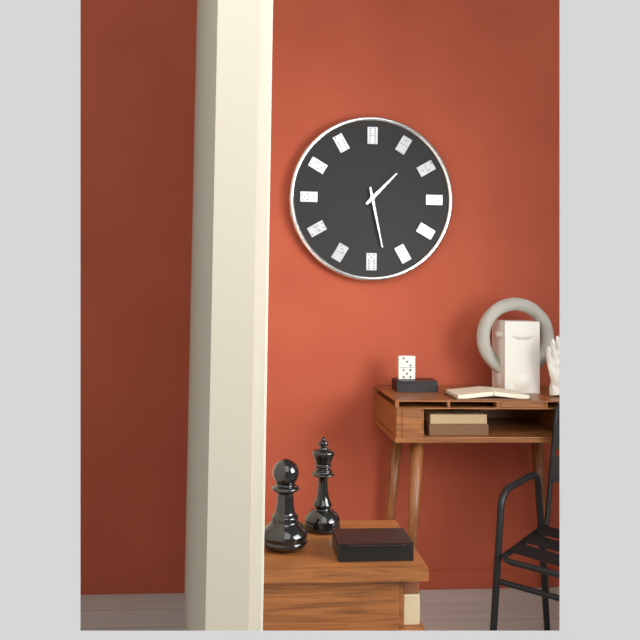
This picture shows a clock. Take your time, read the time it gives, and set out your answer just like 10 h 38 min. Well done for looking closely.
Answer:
1 h 28 min
